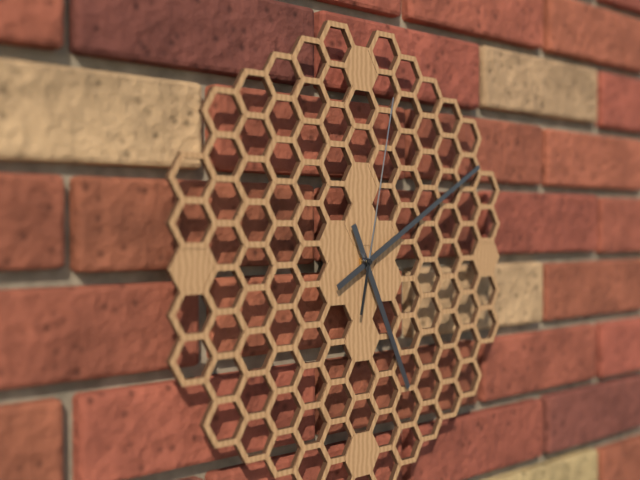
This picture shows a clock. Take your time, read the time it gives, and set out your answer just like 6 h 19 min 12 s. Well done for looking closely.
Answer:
5 h 10 min 02 s
